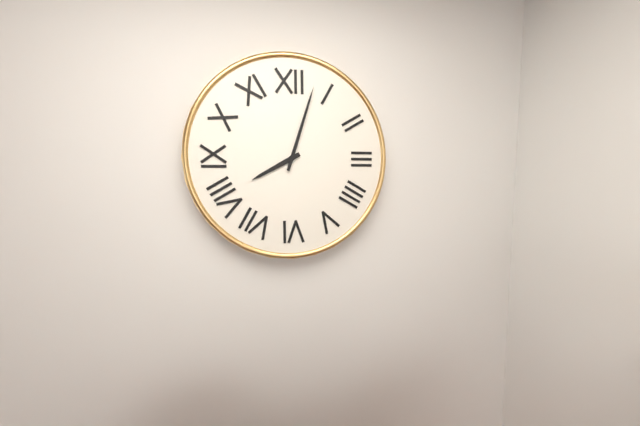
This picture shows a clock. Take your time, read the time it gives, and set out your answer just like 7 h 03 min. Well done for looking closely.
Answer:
8 h 03 min
